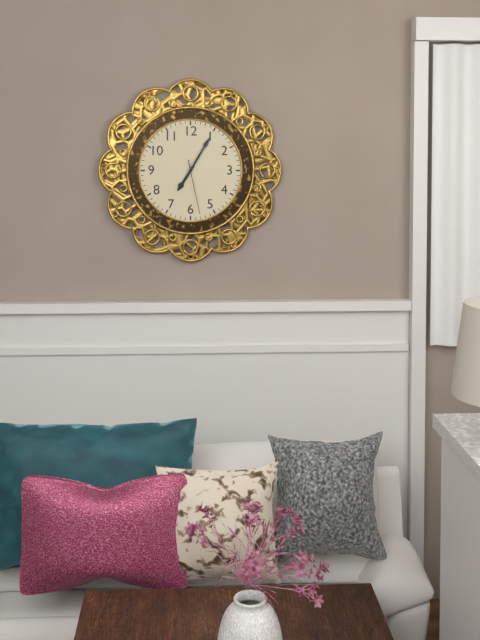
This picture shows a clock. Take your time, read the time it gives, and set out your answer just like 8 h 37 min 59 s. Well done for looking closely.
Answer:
7 h 05 min 28 s
